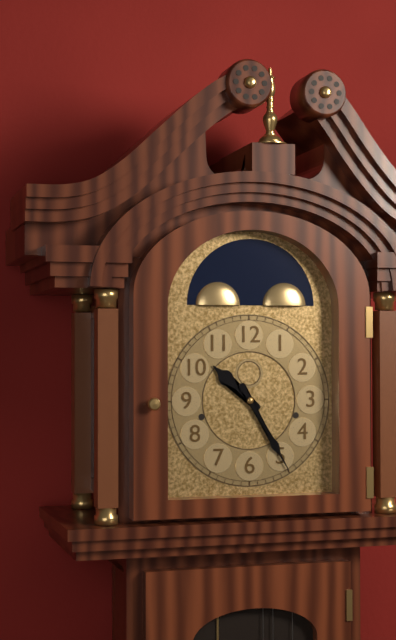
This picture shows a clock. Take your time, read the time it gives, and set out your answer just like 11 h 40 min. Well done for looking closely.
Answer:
10 h 25 min
